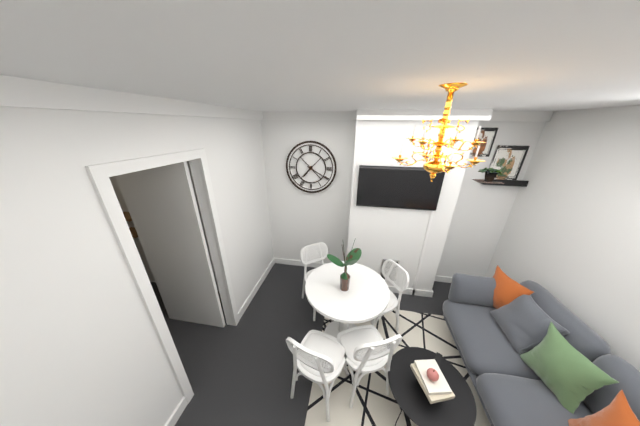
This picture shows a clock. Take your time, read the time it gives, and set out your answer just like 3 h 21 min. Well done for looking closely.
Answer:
7 h 20 min
